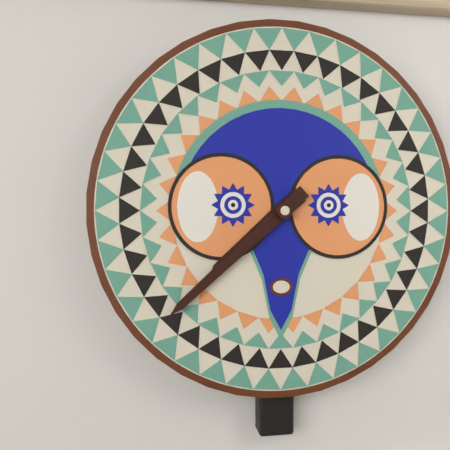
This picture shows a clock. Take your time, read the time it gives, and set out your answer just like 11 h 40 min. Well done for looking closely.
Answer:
7 h 38 min
